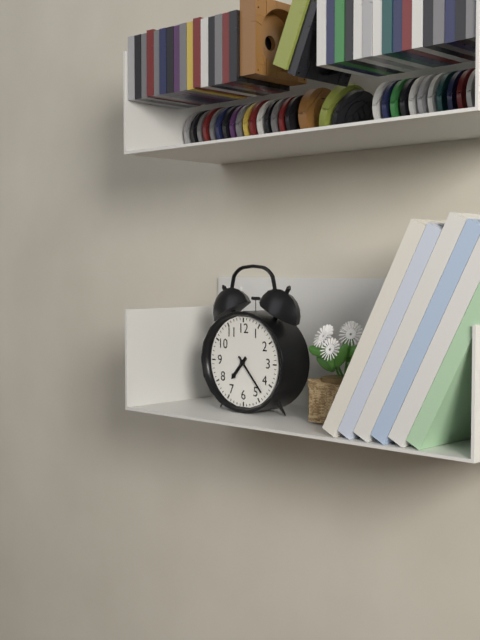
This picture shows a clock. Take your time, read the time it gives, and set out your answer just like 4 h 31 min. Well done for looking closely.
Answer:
7 h 23 min
